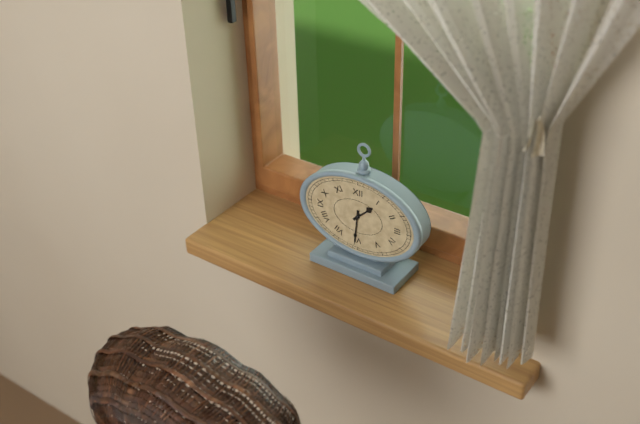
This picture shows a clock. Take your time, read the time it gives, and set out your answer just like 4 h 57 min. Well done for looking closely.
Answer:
1 h 31 min
